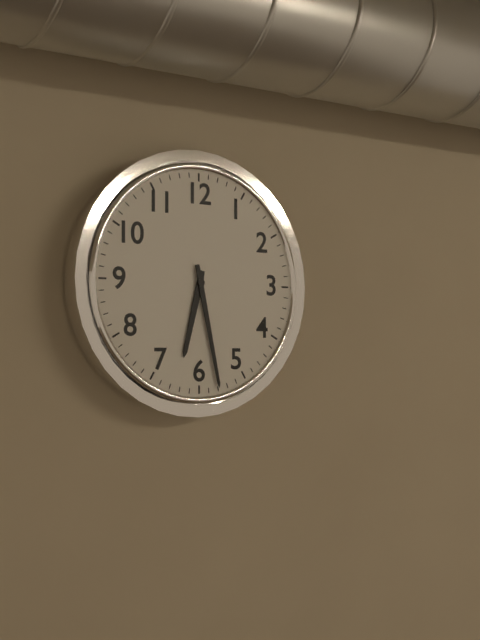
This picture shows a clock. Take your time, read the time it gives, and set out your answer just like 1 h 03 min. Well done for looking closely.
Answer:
6 h 28 min
